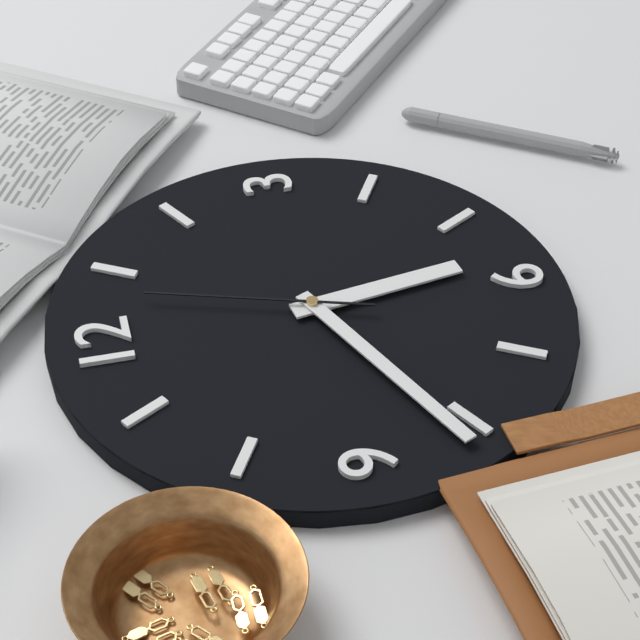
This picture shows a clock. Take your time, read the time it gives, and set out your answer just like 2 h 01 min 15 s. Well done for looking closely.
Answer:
5 h 41 min 03 s
